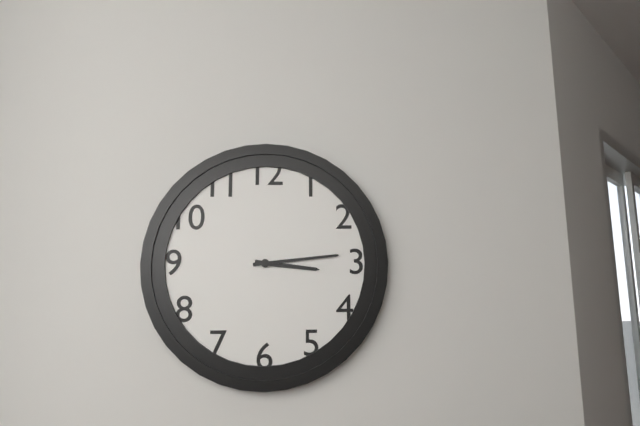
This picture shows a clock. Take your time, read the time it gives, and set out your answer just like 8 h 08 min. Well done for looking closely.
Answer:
3 h 14 min
